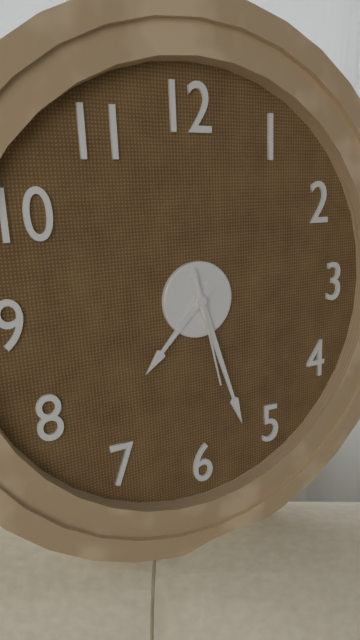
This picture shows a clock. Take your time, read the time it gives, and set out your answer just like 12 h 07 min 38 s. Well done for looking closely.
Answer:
7 h 27 min 28 s
